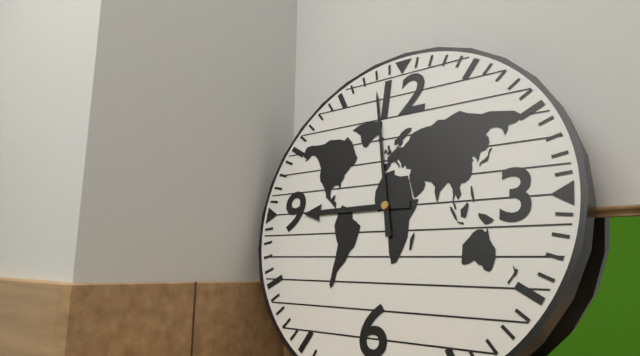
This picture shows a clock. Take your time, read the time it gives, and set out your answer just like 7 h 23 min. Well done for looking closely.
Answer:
8 h 58 min
